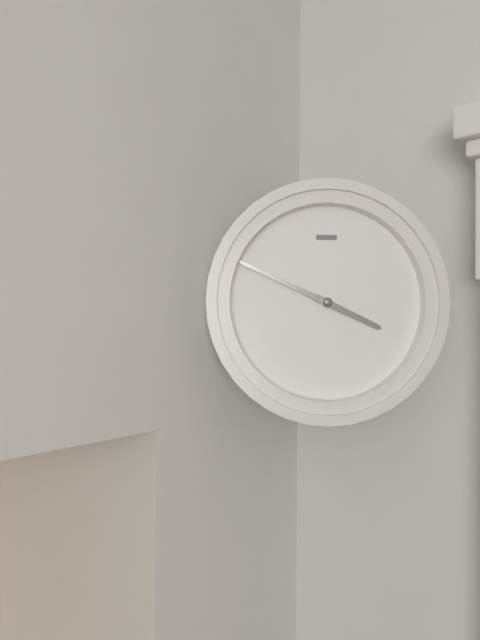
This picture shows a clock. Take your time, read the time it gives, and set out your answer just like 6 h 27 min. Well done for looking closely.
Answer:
3 h 49 min
